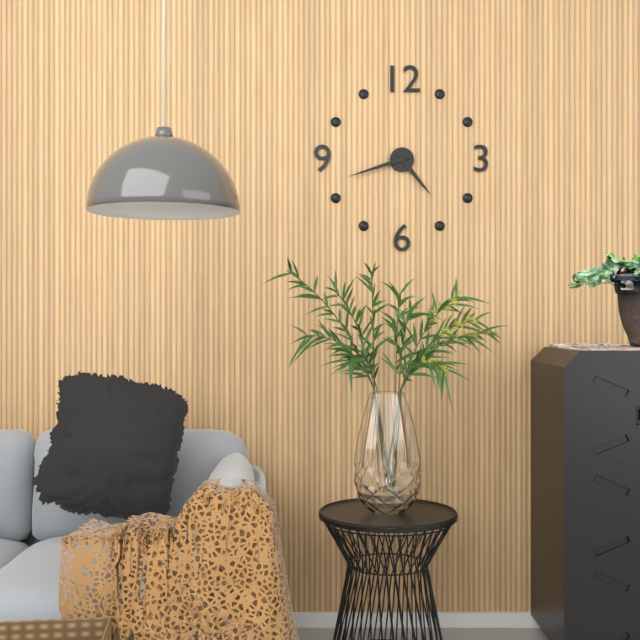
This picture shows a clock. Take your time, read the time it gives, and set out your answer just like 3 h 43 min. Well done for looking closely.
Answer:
4 h 42 min
